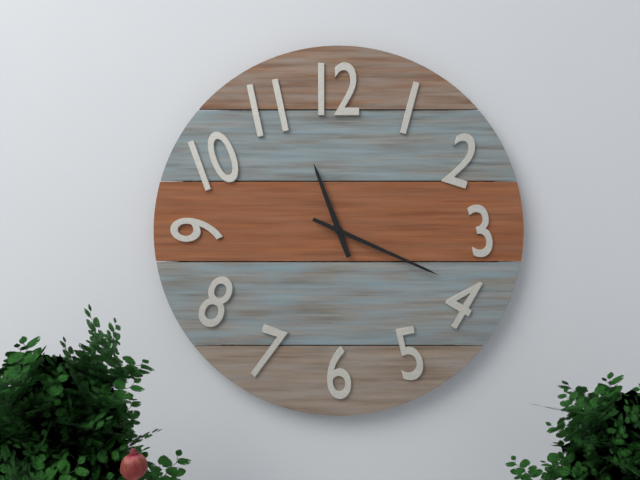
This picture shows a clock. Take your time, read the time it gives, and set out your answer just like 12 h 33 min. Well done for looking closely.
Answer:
11 h 19 min
